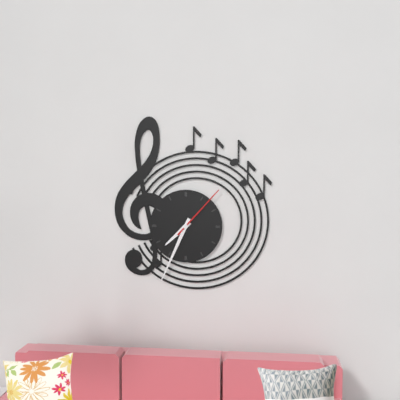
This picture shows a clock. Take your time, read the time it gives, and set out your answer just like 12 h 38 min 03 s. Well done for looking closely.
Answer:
7 h 34 min 07 s
